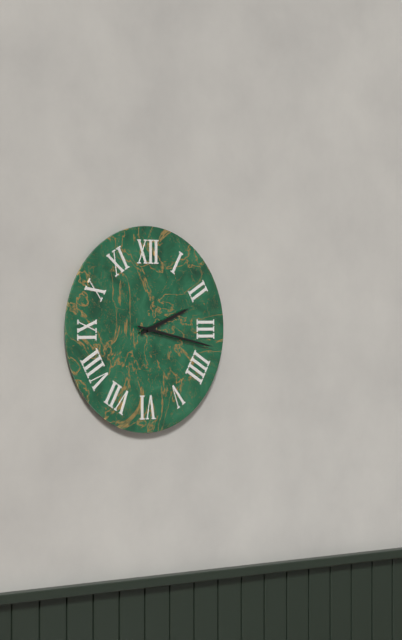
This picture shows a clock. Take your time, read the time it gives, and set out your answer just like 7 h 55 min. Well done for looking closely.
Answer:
2 h 17 min
